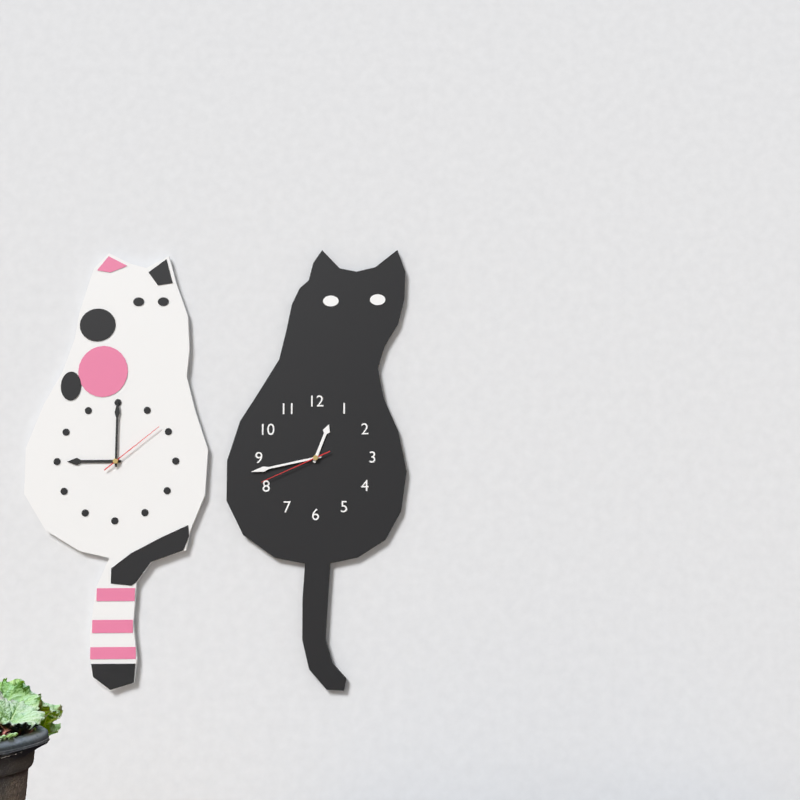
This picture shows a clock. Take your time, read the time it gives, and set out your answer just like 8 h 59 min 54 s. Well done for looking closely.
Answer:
12 h 43 min 41 s
